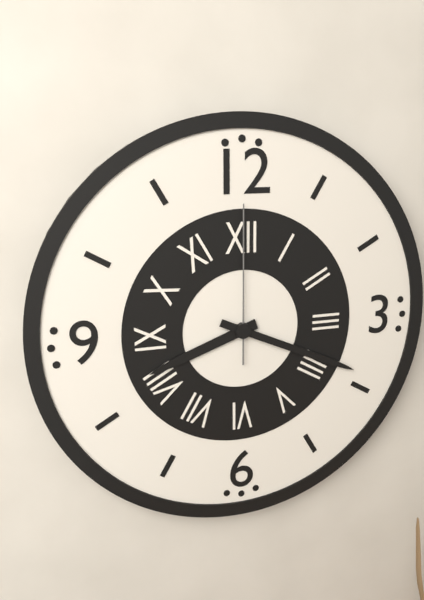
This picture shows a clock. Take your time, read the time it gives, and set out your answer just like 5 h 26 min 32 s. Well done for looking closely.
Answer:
8 h 19 min 00 s
